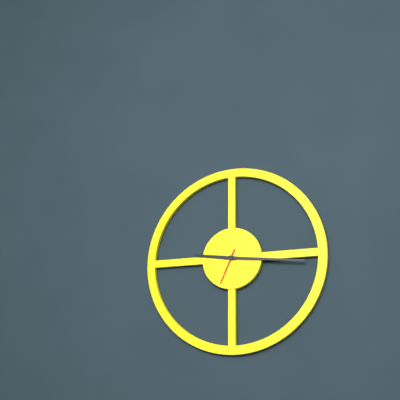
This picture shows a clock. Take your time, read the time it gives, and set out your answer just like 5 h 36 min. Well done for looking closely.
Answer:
9 h 16 min
